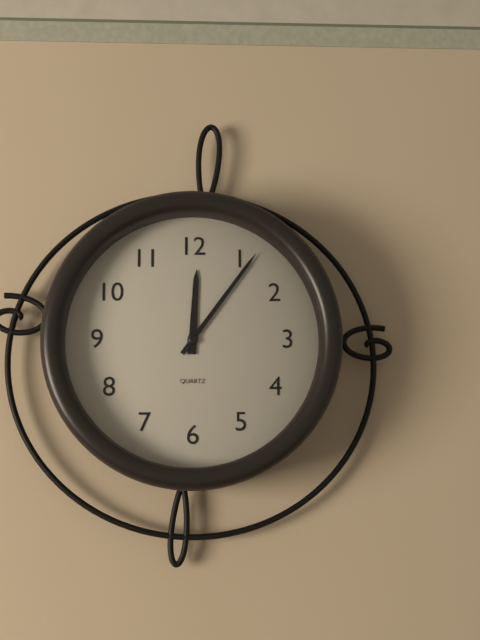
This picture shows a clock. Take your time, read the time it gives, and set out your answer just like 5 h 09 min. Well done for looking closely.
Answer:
12 h 06 min
